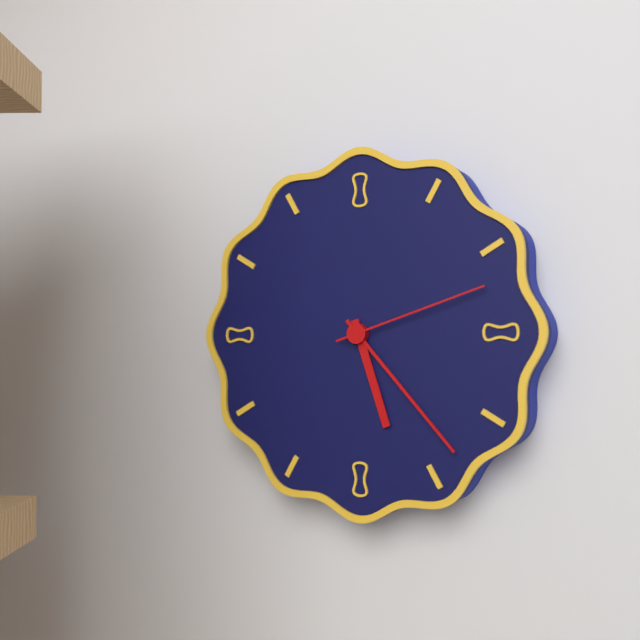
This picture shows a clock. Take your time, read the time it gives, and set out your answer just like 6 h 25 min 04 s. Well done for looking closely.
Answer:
5 h 23 min 12 s
